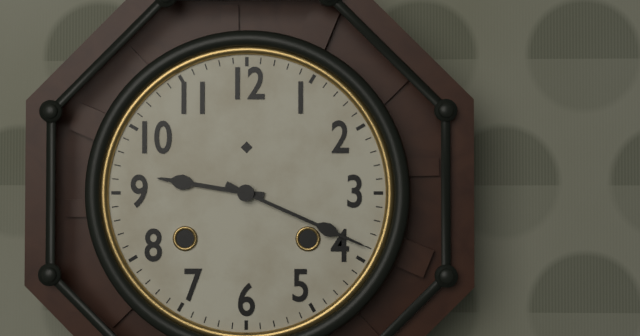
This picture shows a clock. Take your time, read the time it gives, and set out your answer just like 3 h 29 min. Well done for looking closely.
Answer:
9 h 19 min
